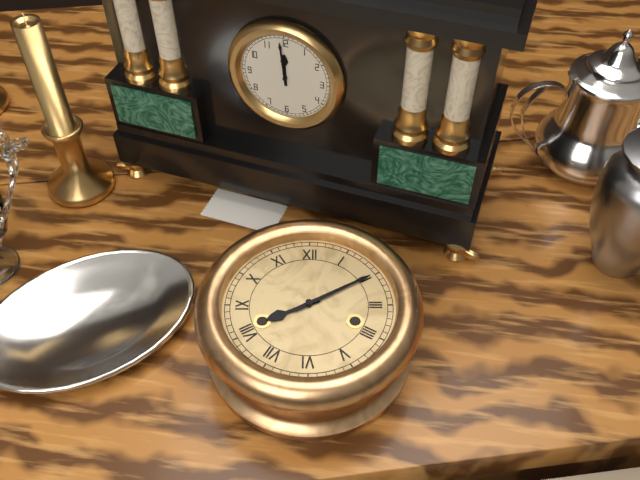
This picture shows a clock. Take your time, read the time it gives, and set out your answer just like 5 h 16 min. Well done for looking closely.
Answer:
8 h 10 min
